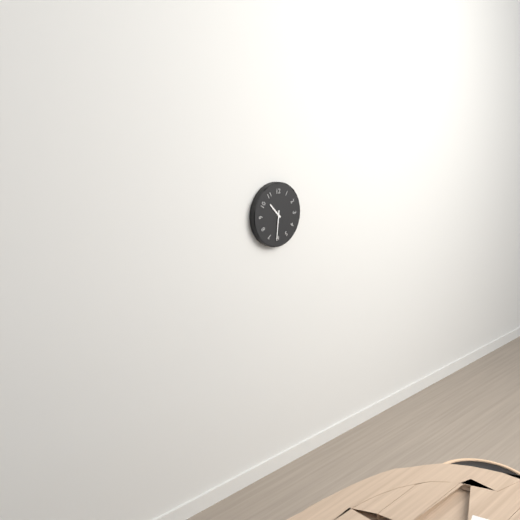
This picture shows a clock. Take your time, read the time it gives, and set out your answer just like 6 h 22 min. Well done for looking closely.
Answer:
10 h 31 min
